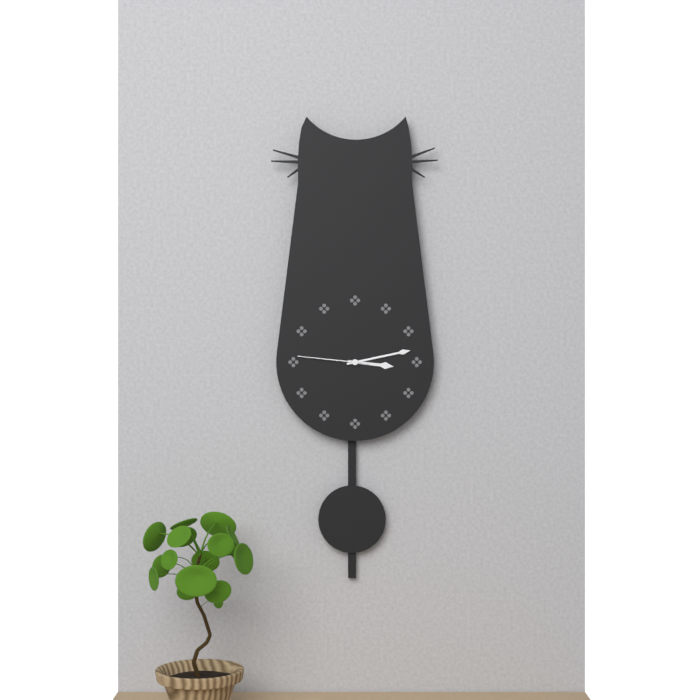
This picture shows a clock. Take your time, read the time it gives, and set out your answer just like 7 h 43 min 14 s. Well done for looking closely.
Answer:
3 h 13 min 46 s
